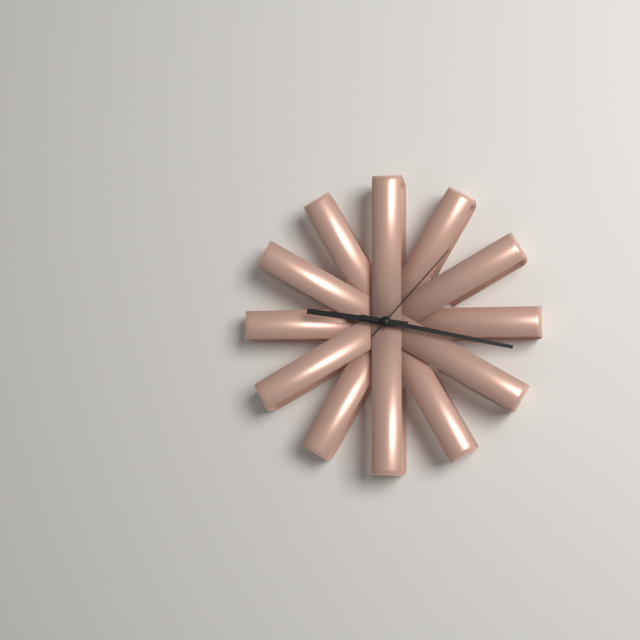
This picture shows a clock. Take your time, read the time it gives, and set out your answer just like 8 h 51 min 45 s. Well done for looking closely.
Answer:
9 h 17 min 07 s
